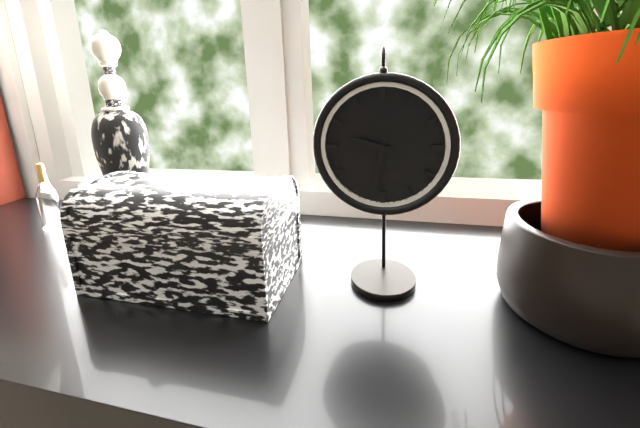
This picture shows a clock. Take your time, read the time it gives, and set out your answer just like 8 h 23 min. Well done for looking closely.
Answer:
9 h 32 min
